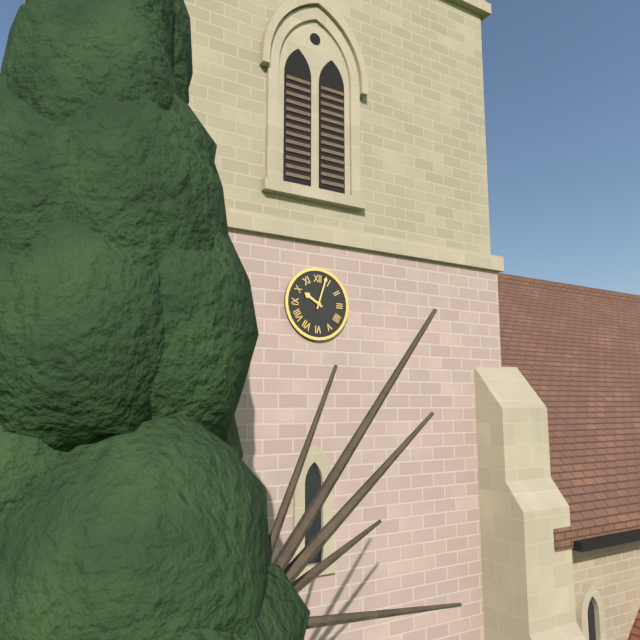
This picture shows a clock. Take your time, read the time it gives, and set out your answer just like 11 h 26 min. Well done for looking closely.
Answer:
10 h 03 min
